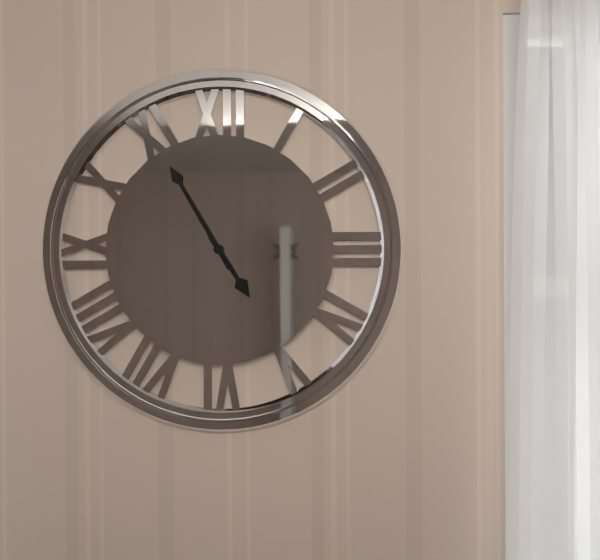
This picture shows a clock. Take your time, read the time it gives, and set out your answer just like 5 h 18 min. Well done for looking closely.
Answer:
4 h 55 min
